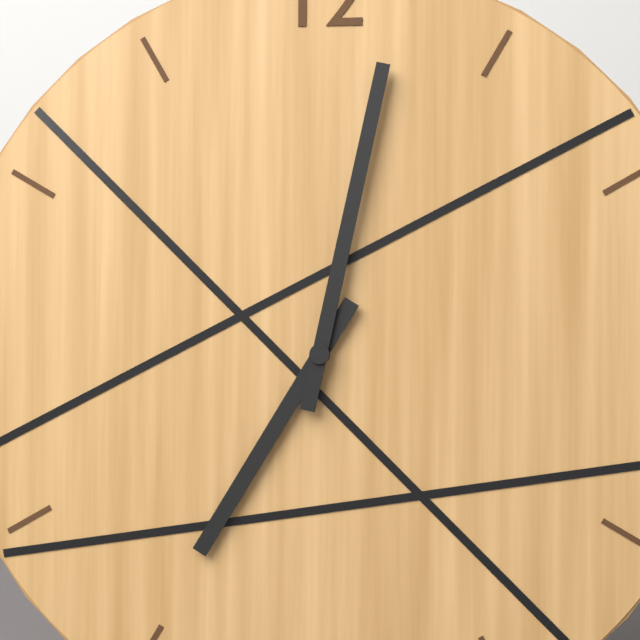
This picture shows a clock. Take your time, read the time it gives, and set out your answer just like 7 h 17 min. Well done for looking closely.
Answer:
7 h 02 min
